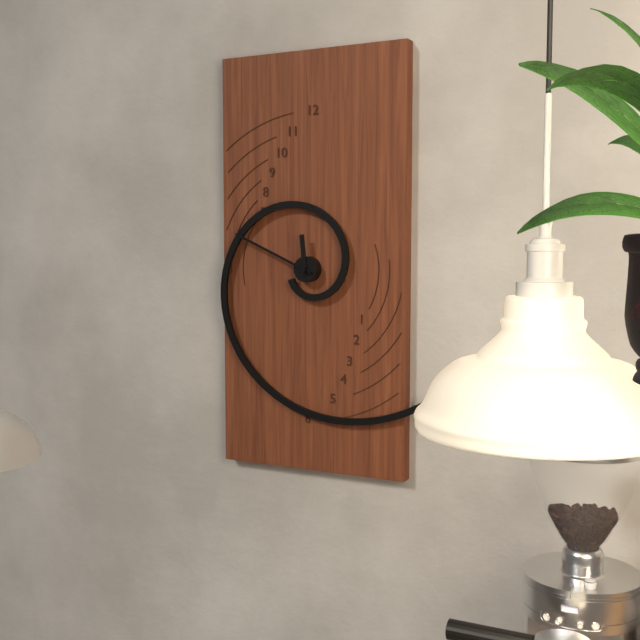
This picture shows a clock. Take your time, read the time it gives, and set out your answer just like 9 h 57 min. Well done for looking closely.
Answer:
11 h 49 min
